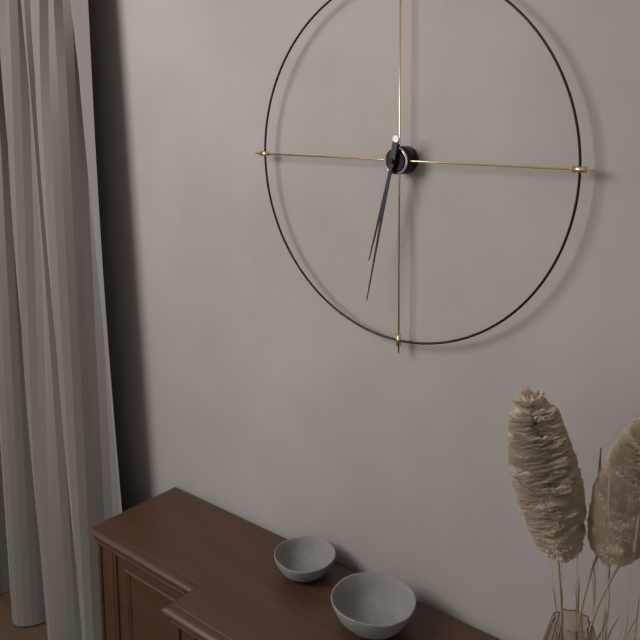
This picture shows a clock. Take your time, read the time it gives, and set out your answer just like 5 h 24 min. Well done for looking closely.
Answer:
6 h 32 min
